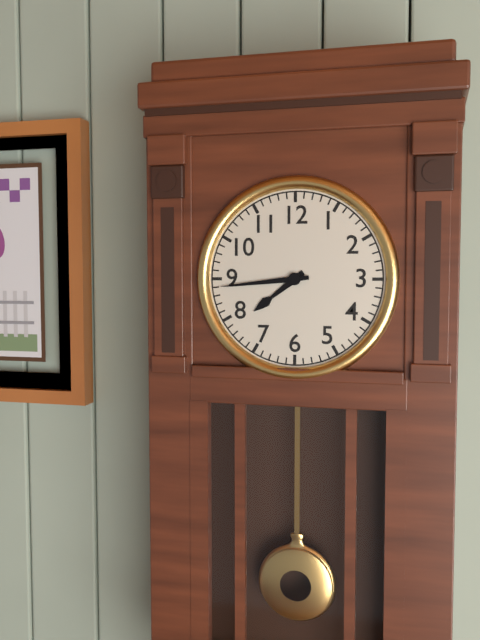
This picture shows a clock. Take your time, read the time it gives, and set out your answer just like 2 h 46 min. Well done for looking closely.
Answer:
7 h 44 min
